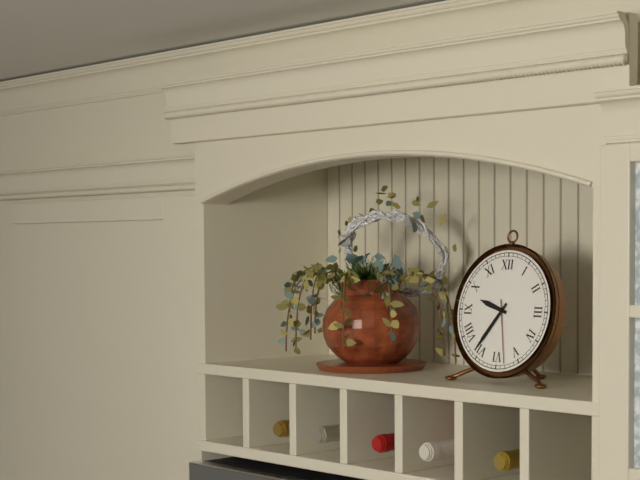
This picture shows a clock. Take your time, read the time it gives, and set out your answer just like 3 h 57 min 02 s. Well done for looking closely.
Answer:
9 h 36 min 28 s
